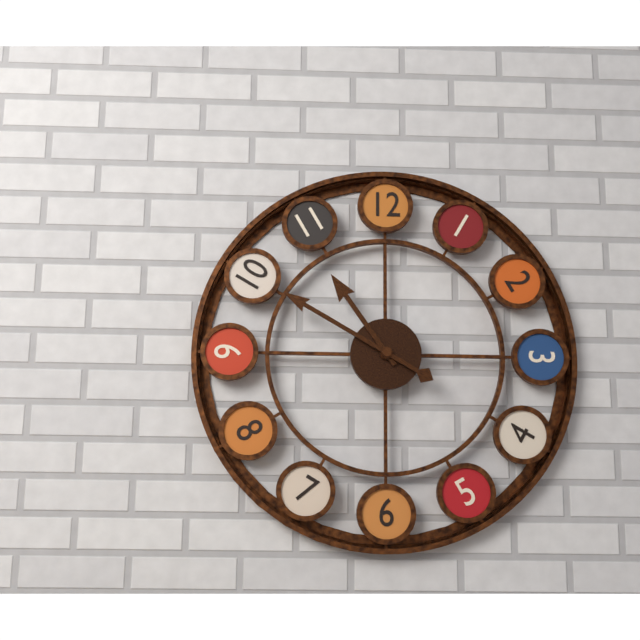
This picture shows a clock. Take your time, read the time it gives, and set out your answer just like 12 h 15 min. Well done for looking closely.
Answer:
10 h 50 min
